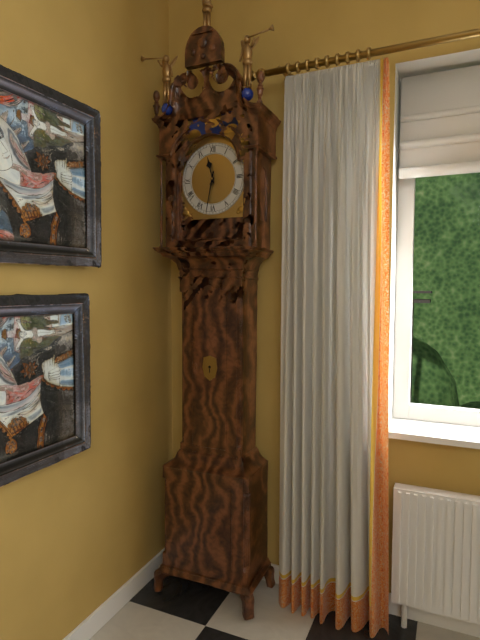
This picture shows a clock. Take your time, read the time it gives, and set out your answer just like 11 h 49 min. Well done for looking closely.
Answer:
11 h 32 min
